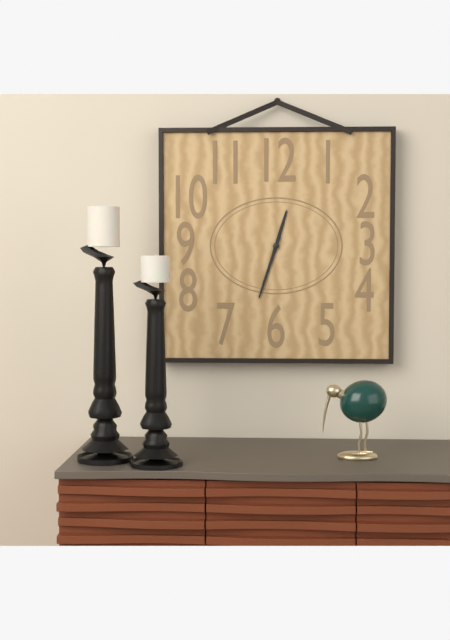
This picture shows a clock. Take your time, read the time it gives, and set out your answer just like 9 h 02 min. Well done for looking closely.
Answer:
12 h 33 min
